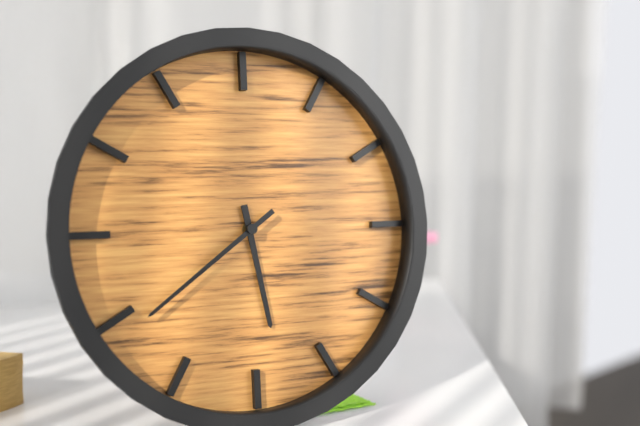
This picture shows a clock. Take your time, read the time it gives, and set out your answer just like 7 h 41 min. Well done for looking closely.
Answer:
5 h 39 min
